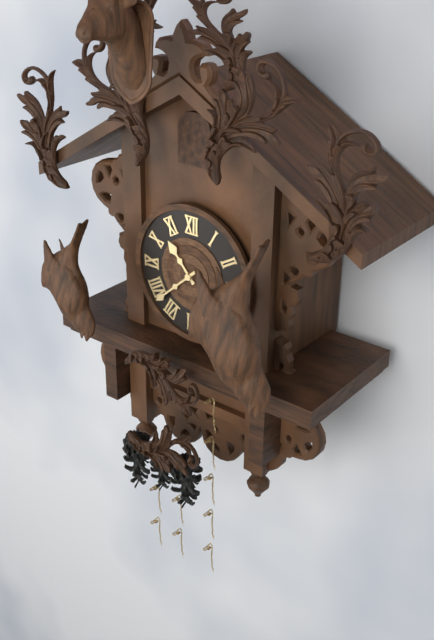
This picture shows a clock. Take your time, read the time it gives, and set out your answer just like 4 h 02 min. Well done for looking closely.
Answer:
10 h 38 min
